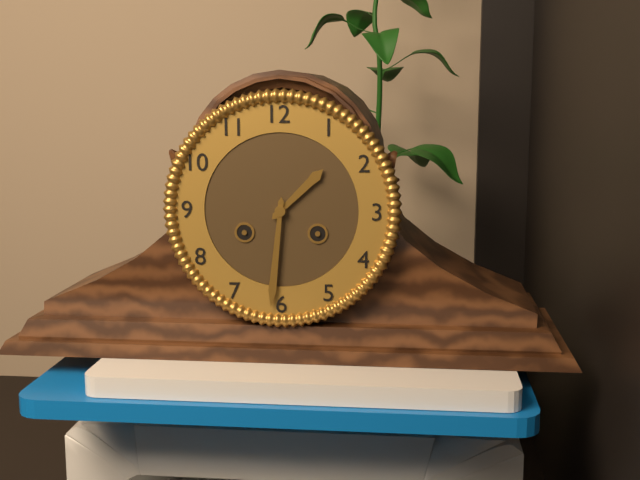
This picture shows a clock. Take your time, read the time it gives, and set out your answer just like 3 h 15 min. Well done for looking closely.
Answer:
1 h 31 min
